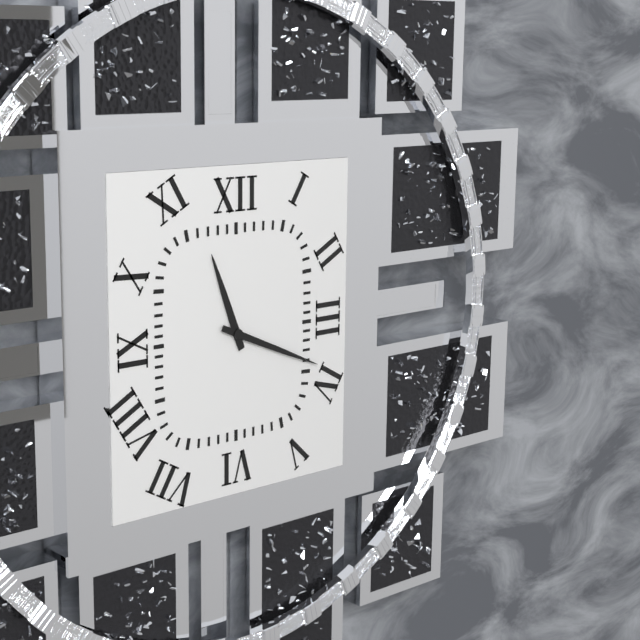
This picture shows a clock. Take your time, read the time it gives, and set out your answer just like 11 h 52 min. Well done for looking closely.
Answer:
11 h 19 min
